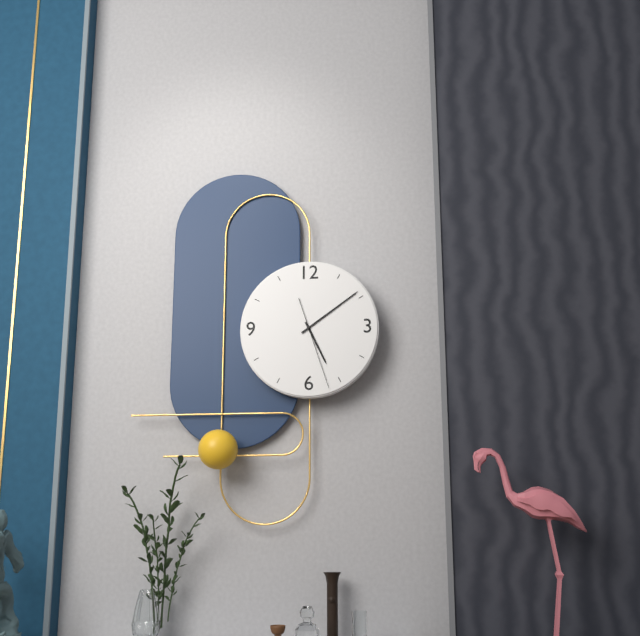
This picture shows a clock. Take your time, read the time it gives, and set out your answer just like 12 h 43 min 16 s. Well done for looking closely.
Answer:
5 h 09 min 27 s
